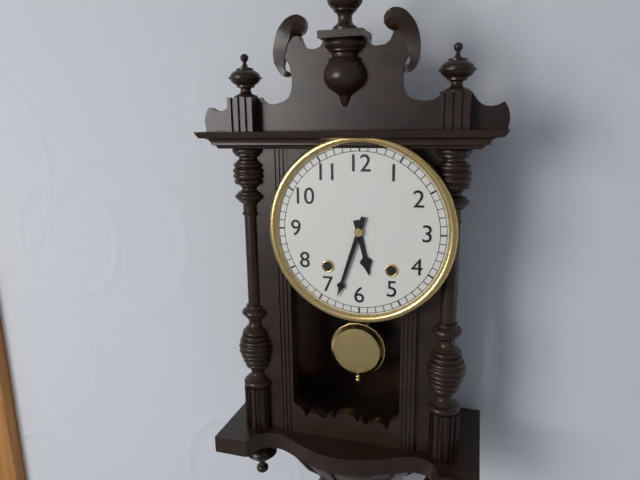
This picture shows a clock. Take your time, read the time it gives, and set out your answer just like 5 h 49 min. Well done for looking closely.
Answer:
5 h 33 min
